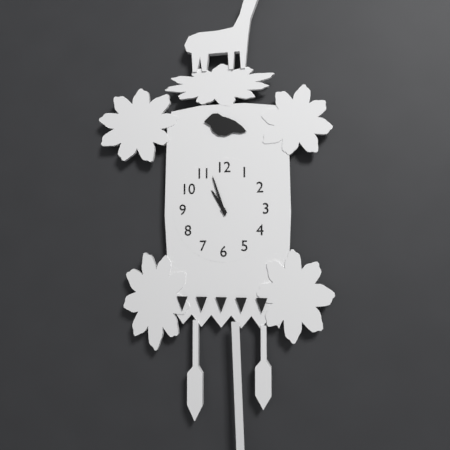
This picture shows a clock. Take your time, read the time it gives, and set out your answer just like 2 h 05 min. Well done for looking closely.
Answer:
10 h 57 min
